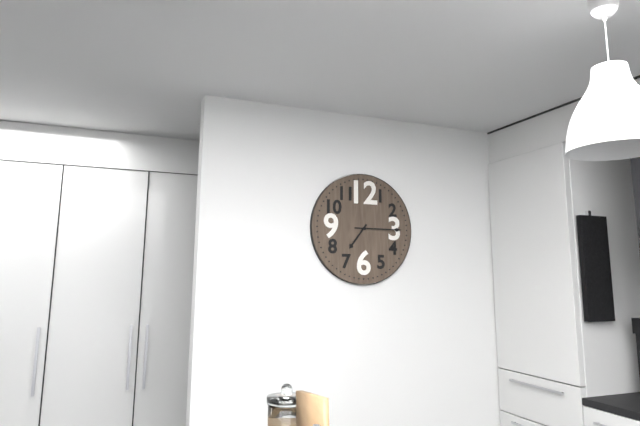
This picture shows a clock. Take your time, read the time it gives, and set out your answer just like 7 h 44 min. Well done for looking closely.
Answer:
7 h 15 min
